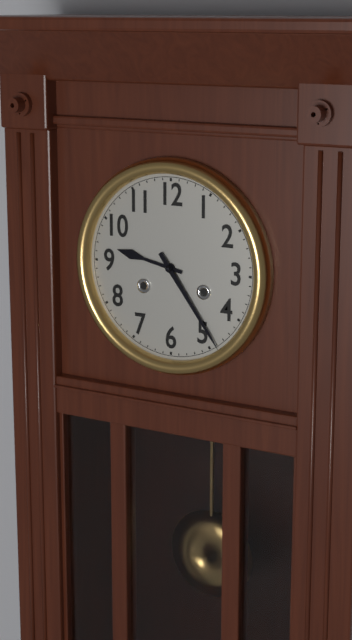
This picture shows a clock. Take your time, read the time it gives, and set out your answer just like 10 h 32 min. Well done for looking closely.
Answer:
9 h 24 min
